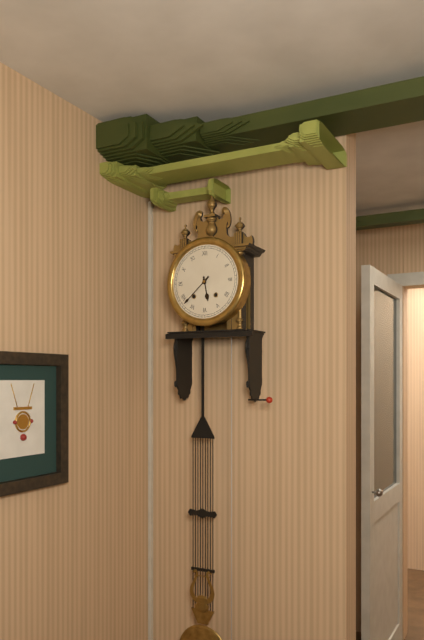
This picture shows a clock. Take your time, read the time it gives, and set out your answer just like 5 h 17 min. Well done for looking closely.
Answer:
5 h 38 min
